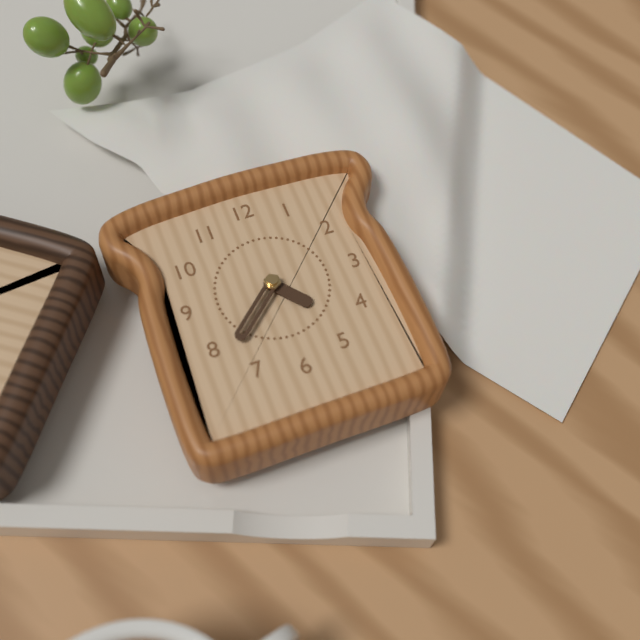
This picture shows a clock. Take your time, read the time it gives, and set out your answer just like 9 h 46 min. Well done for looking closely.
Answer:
4 h 38 min
